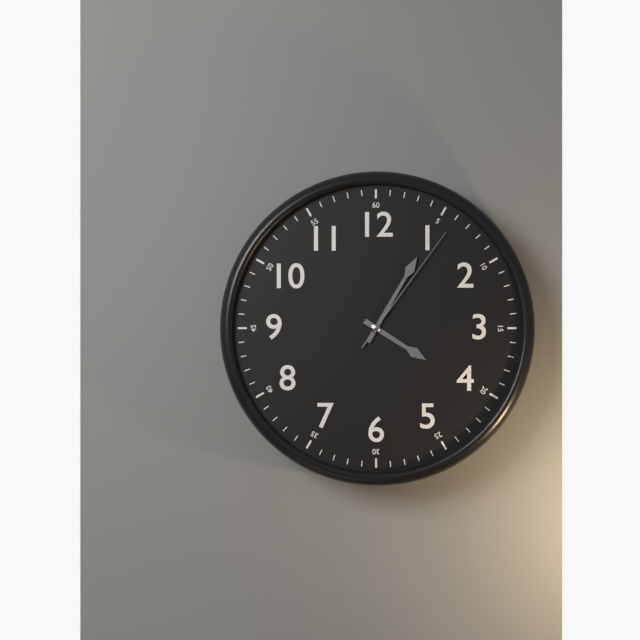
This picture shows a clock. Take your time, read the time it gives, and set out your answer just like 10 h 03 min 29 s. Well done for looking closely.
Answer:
4 h 05 min 06 s
